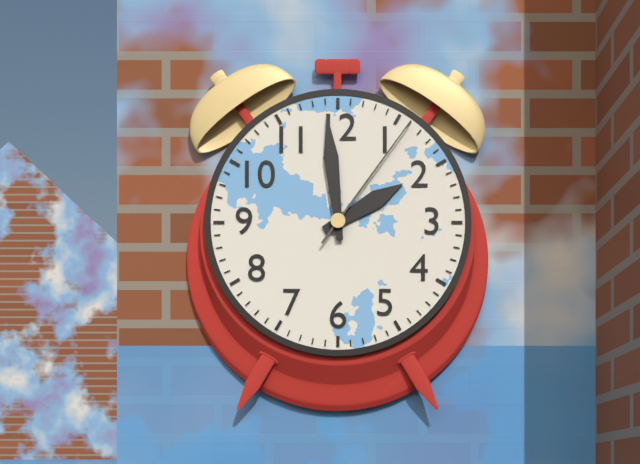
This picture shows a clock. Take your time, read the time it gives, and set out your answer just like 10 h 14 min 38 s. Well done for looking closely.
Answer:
1 h 59 min 06 s
